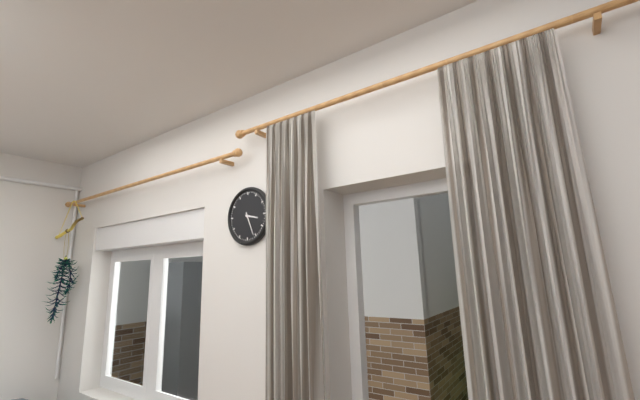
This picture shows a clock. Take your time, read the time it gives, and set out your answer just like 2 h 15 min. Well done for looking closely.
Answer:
3 h 26 min
